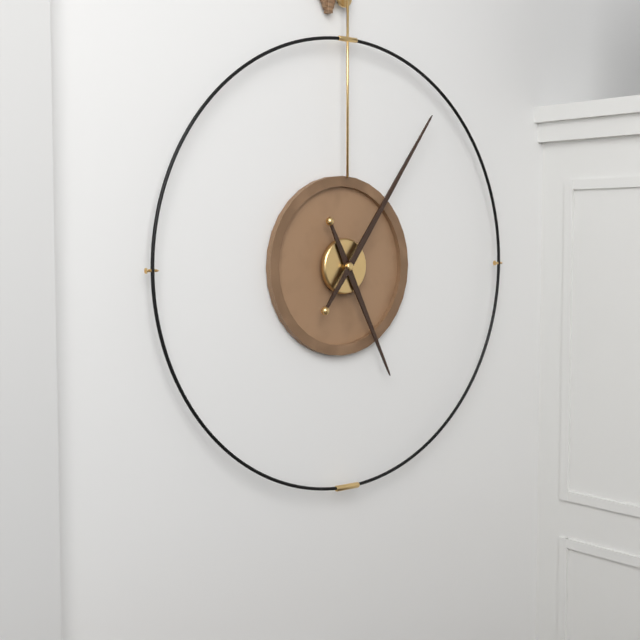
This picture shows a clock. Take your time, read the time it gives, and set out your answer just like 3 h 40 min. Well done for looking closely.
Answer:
5 h 06 min
